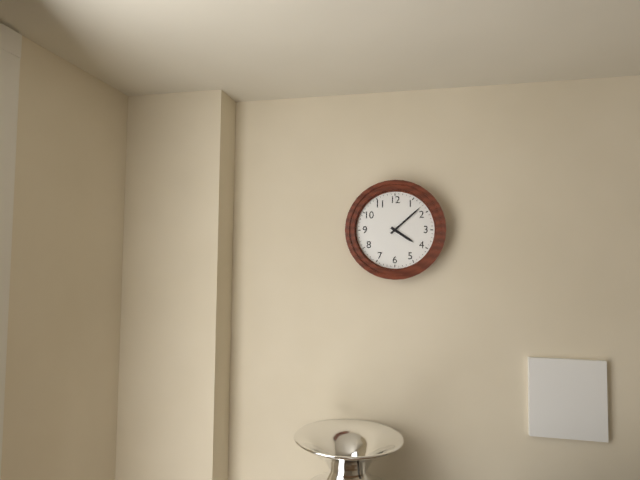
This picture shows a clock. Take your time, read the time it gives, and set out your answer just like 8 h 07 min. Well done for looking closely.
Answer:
4 h 08 min
